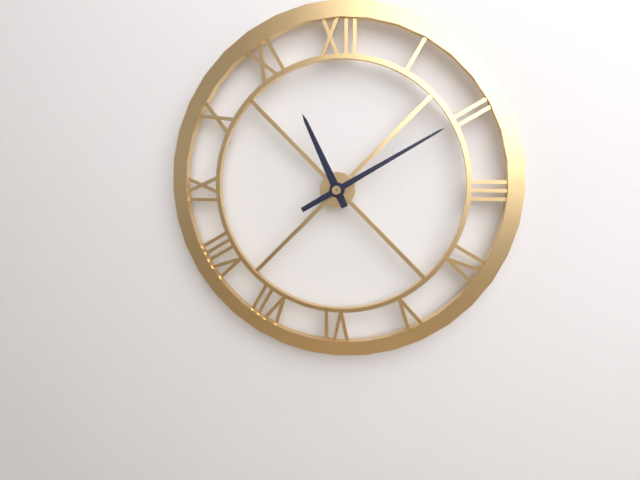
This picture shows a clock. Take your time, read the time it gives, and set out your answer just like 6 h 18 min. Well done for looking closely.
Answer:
11 h 10 min
